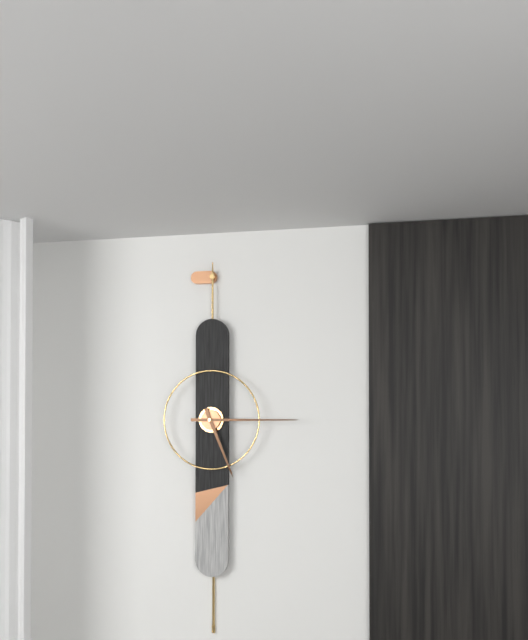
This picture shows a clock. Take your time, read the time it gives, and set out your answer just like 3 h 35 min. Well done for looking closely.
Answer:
5 h 15 min
